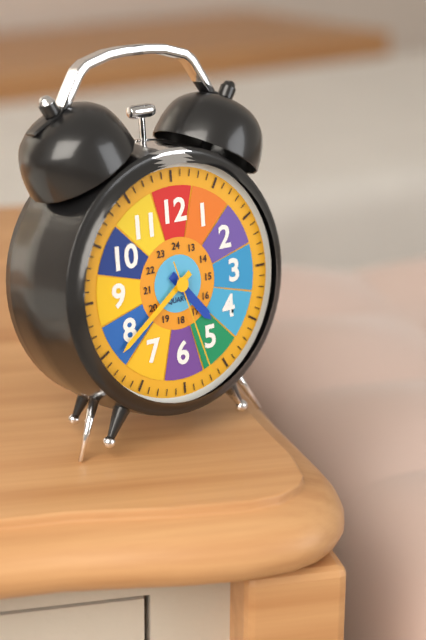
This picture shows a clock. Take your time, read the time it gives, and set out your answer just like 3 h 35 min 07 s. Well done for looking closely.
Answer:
4 h 39 min 27 s
